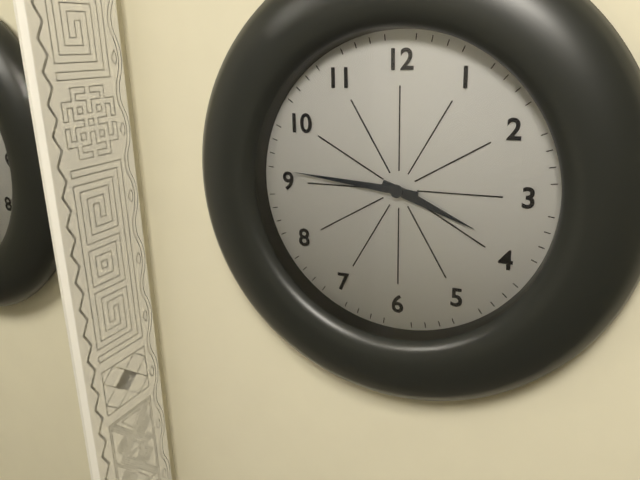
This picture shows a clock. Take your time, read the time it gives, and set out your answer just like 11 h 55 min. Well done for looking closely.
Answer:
3 h 46 min
